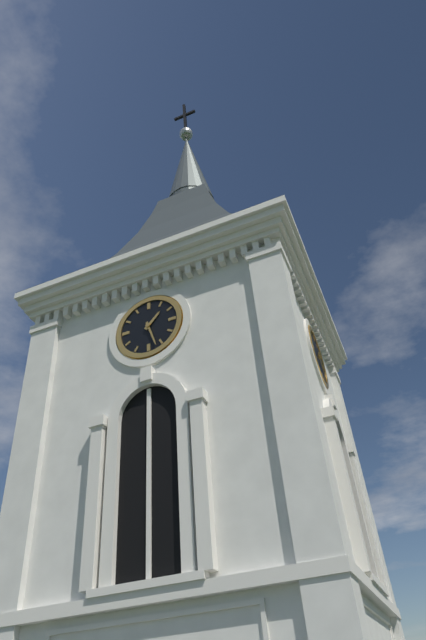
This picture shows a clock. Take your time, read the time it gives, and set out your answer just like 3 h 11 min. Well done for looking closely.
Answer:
1 h 27 min
